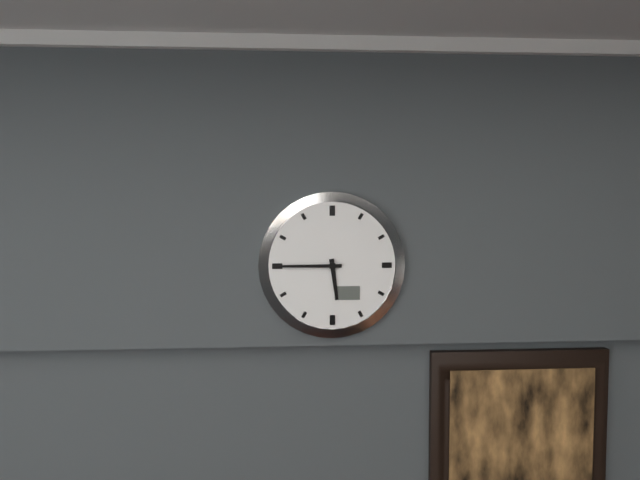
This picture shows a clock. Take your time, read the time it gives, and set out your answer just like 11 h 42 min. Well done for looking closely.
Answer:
5 h 45 min
